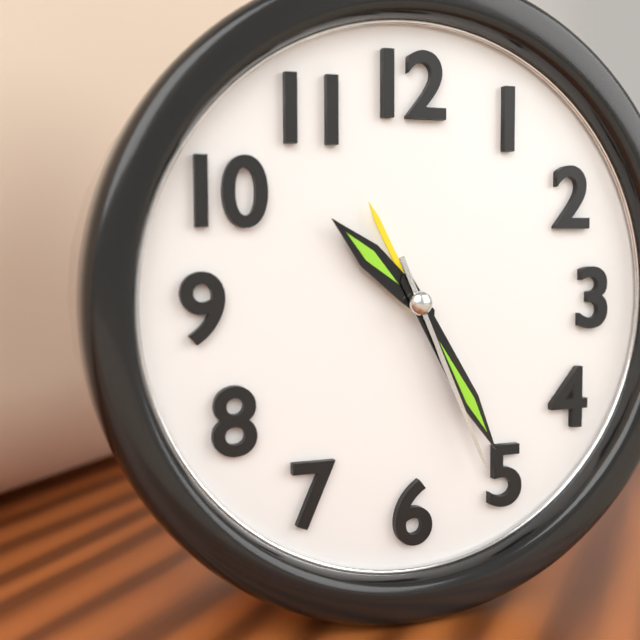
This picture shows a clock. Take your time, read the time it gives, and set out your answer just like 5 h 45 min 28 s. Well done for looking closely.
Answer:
10 h 25 min 26 s
